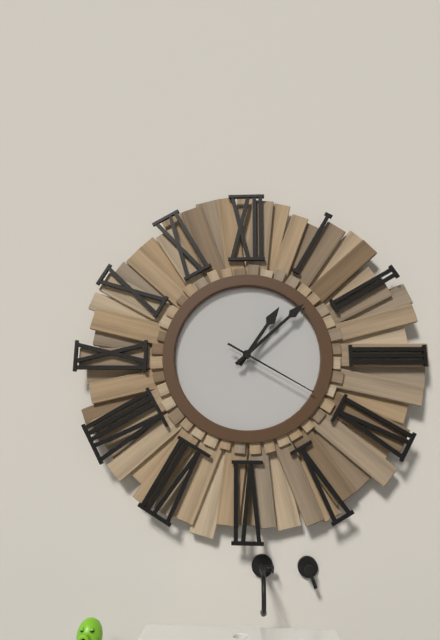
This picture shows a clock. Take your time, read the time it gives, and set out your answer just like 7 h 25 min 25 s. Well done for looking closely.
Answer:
1 h 08 min 20 s
